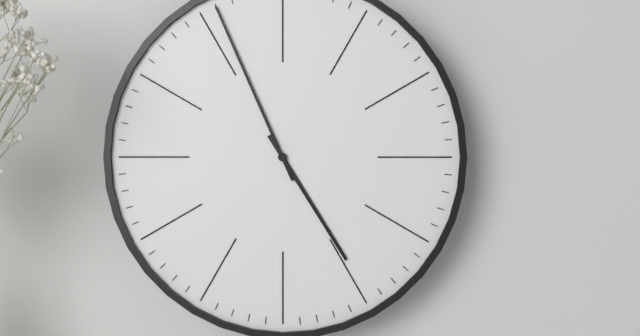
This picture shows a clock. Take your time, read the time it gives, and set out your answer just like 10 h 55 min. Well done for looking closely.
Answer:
4 h 56 min
